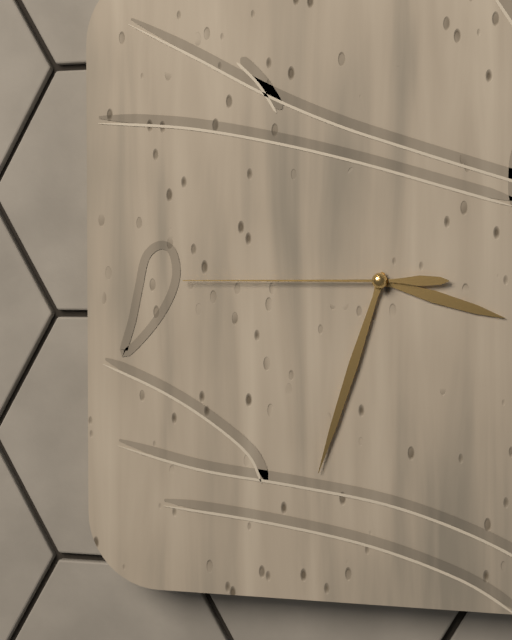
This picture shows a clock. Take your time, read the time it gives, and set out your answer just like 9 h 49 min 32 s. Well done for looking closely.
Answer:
3 h 33 min 45 s
